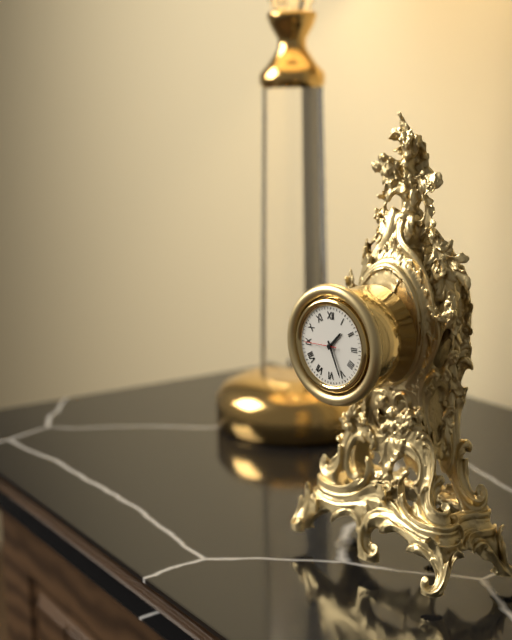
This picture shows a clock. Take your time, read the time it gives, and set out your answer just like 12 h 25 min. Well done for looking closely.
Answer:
1 h 26 min
